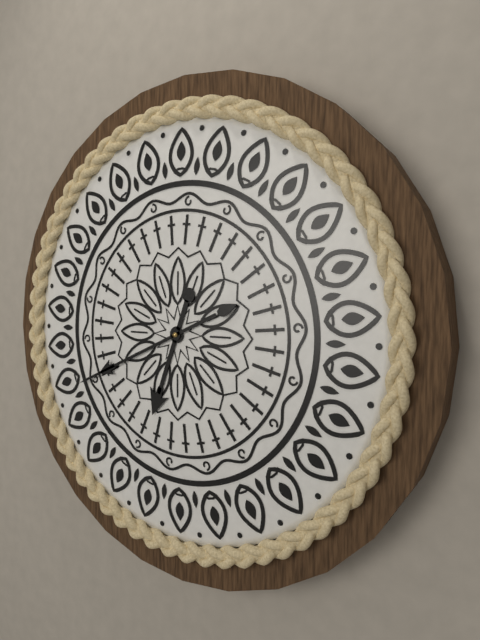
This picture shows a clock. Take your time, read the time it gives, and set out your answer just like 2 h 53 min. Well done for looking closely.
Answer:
6 h 41 min
